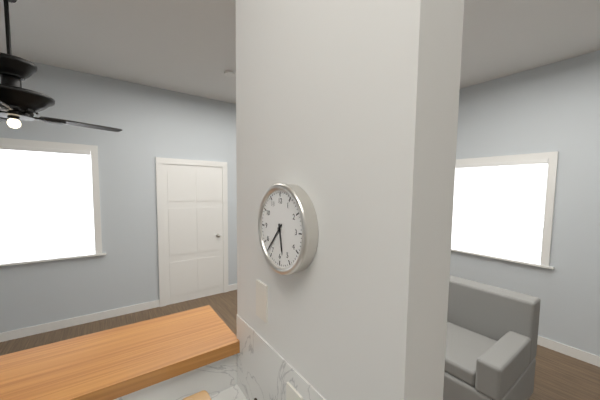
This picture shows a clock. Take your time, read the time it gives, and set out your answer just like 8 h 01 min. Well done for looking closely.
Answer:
5 h 37 min
